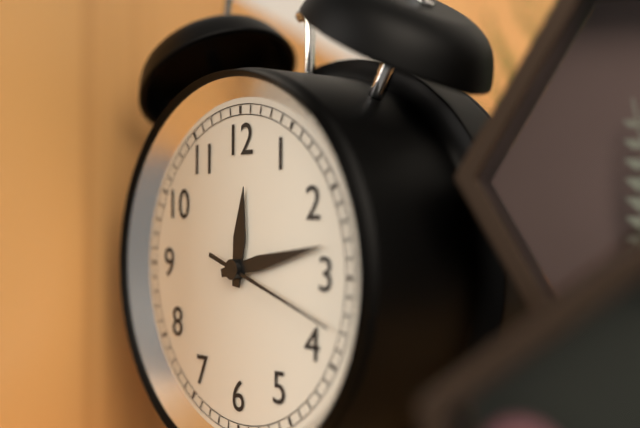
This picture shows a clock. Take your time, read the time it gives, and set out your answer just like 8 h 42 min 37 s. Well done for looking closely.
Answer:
12 h 13 min 18 s
